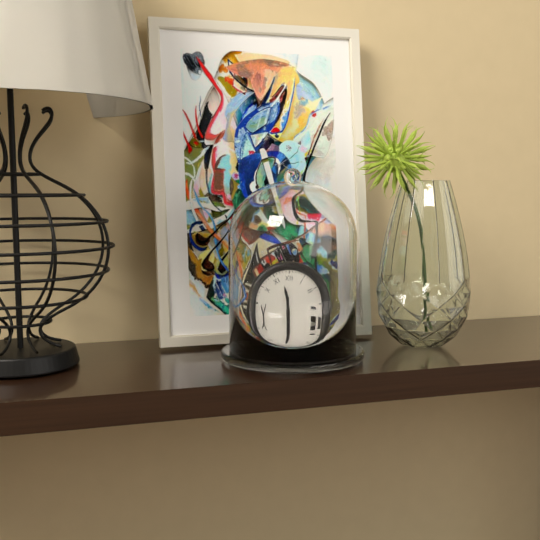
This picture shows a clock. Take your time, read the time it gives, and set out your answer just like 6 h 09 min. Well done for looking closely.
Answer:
11 h 30 min
